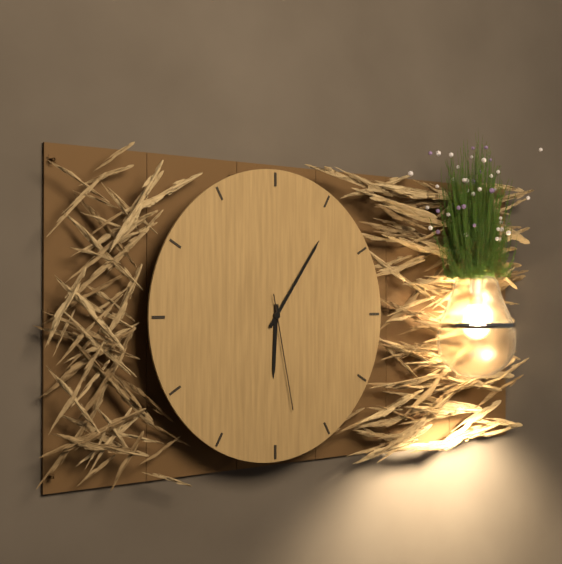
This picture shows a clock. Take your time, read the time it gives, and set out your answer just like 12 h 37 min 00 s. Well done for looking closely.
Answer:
6 h 06 min 28 s
